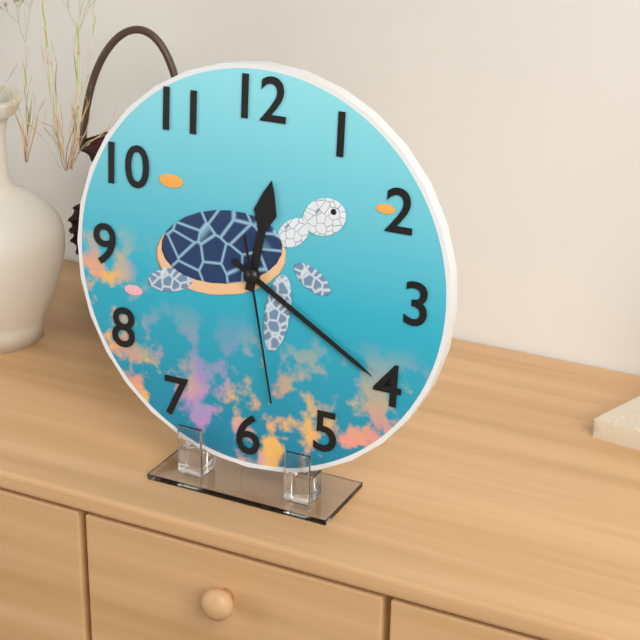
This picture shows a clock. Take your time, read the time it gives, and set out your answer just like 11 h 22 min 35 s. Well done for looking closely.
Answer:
12 h 20 min 28 s
